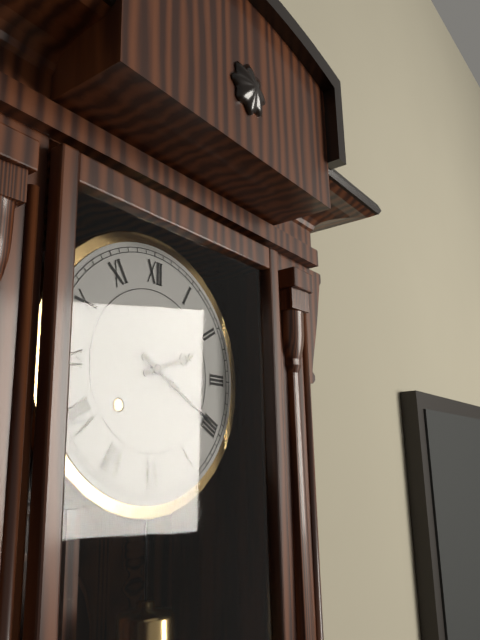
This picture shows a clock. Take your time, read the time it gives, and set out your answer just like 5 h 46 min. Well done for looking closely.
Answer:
2 h 20 min
